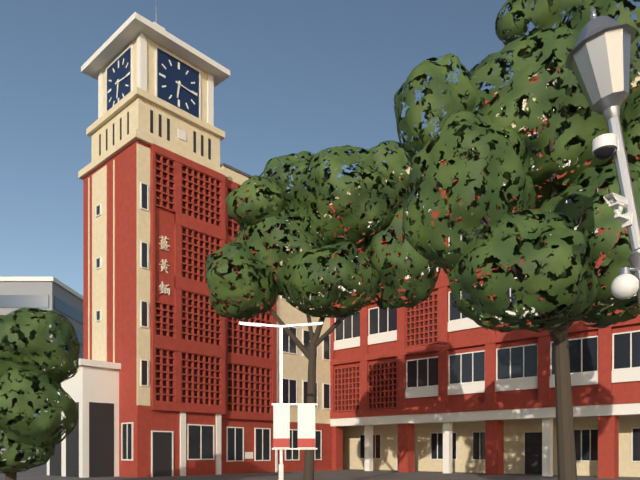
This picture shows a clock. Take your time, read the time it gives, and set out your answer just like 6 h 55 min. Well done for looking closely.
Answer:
6 h 16 min
